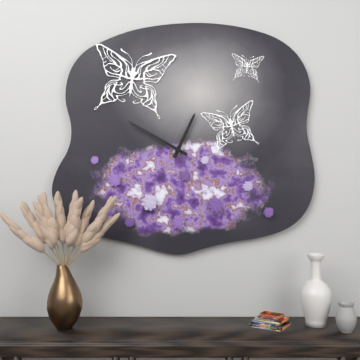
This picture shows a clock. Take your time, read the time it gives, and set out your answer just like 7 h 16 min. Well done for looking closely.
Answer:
12 h 50 min
